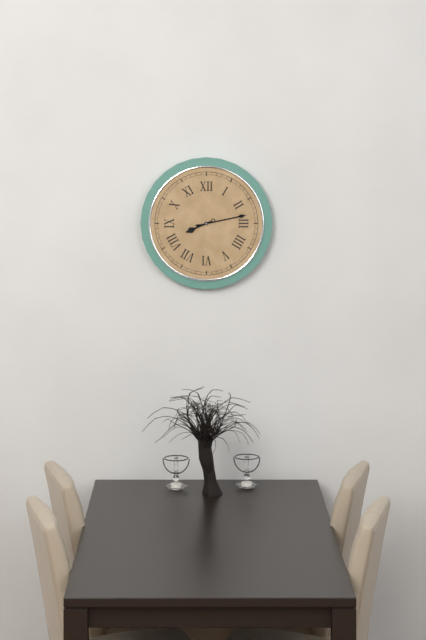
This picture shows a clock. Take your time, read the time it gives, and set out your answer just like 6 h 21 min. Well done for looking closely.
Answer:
8 h 13 min
